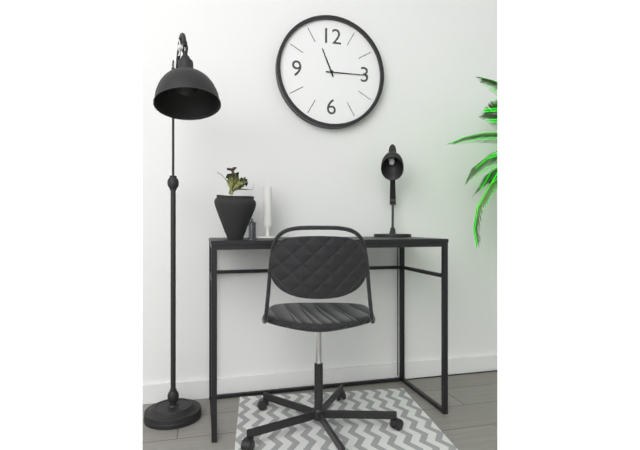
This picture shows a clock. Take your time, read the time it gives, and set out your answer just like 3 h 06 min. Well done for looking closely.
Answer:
11 h 15 min
